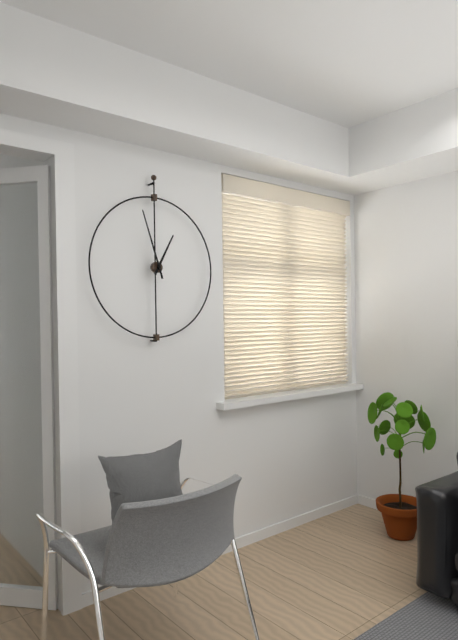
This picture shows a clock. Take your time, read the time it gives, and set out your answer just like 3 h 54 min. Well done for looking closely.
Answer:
12 h 57 min
